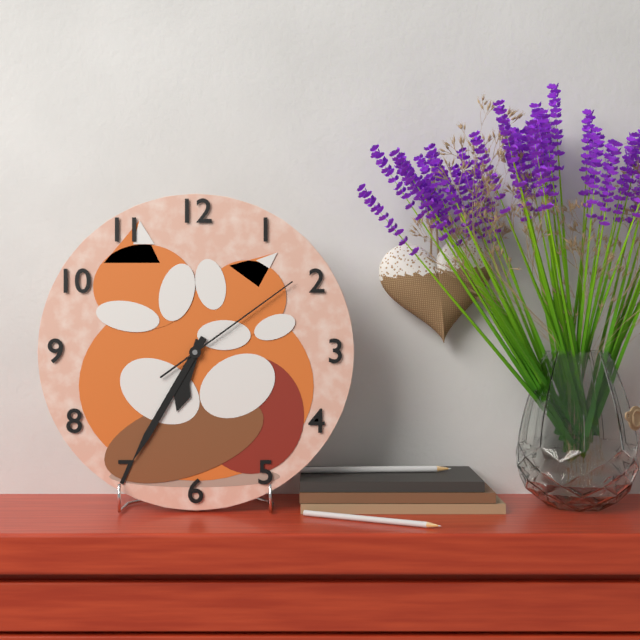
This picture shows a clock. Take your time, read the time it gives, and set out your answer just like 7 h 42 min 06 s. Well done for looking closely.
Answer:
6 h 35 min 09 s
